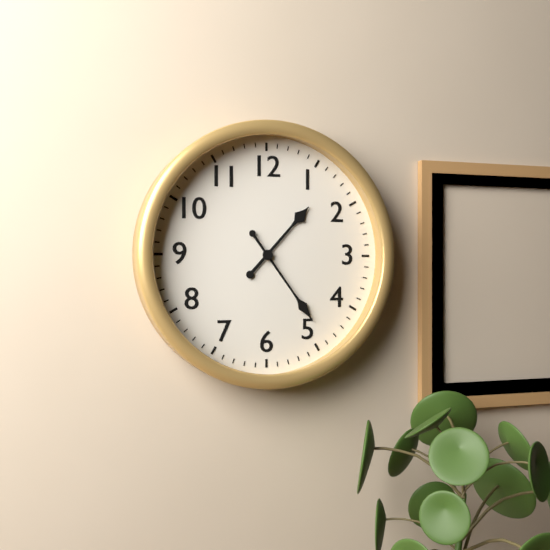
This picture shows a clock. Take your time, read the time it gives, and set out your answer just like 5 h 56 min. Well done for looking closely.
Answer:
1 h 24 min
